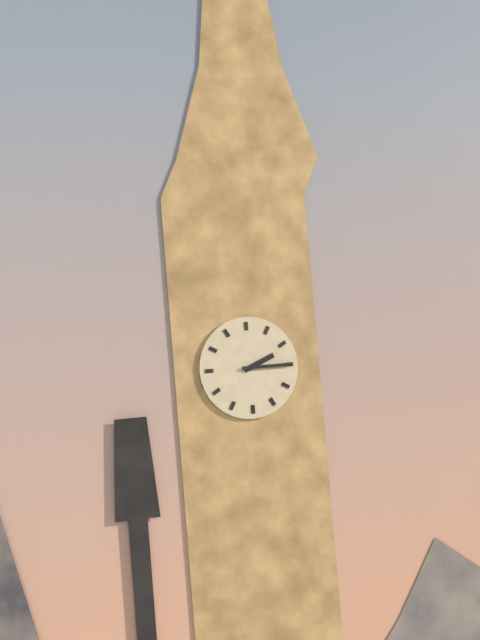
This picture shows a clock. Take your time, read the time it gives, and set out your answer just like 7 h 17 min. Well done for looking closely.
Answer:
2 h 15 min
